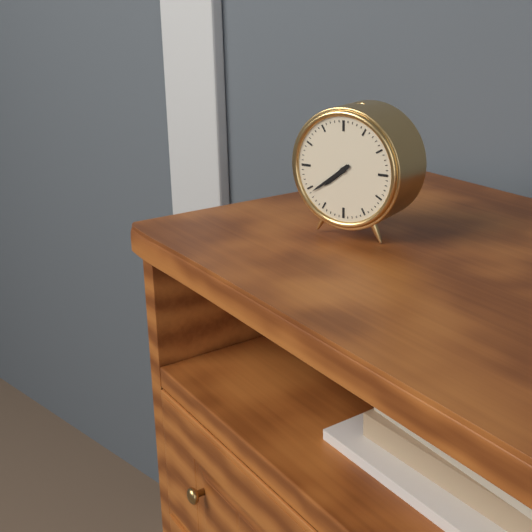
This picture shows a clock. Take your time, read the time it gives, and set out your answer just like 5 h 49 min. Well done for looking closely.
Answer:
7 h 39 min
